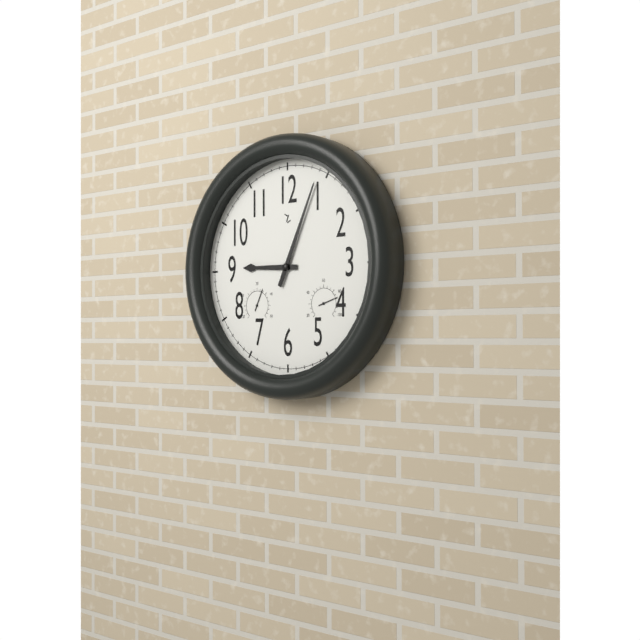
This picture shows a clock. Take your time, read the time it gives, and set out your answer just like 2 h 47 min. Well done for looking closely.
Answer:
9 h 04 min
